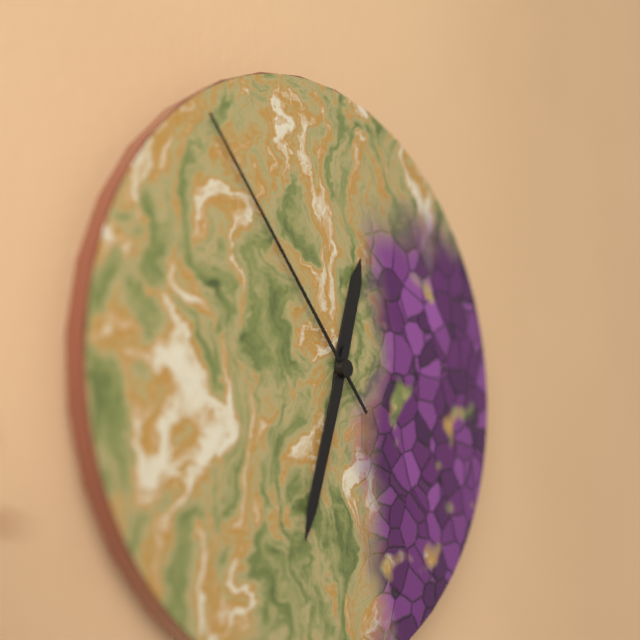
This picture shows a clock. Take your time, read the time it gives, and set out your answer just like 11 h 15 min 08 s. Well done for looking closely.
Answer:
12 h 33 min 53 s
